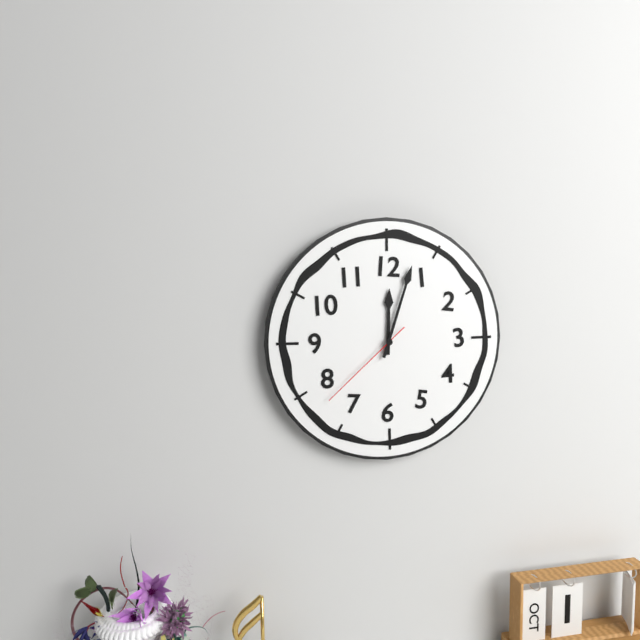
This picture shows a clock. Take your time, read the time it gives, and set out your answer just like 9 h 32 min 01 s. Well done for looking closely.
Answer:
12 h 03 min 38 s
